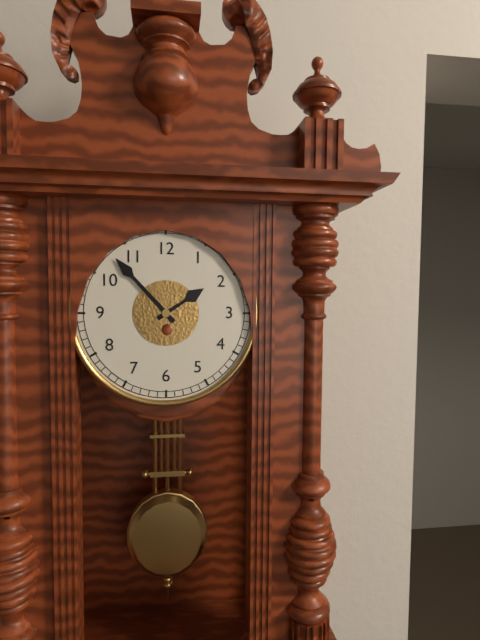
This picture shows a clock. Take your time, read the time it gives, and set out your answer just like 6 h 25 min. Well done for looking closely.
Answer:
1 h 53 min
